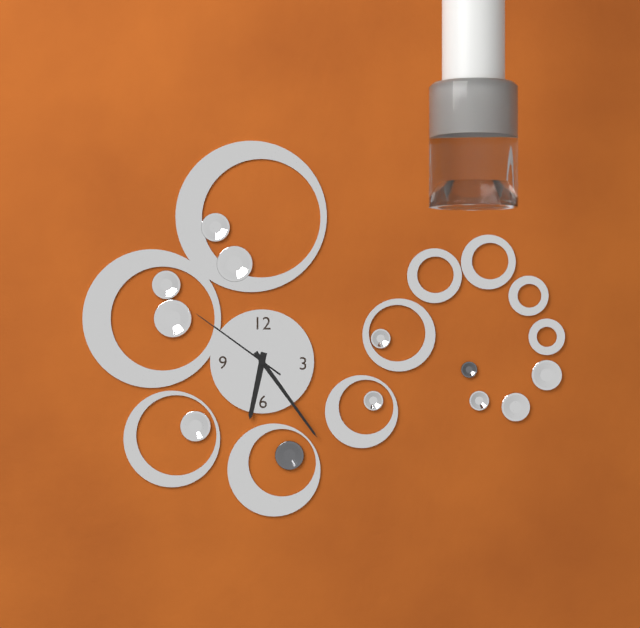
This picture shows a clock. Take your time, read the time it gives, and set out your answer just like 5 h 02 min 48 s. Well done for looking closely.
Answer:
6 h 24 min 51 s
